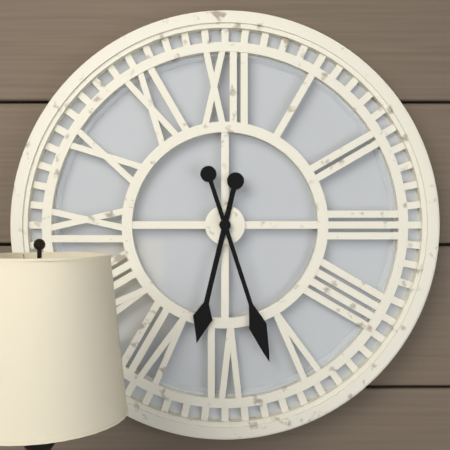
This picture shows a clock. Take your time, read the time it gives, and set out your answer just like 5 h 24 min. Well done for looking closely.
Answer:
6 h 27 min
